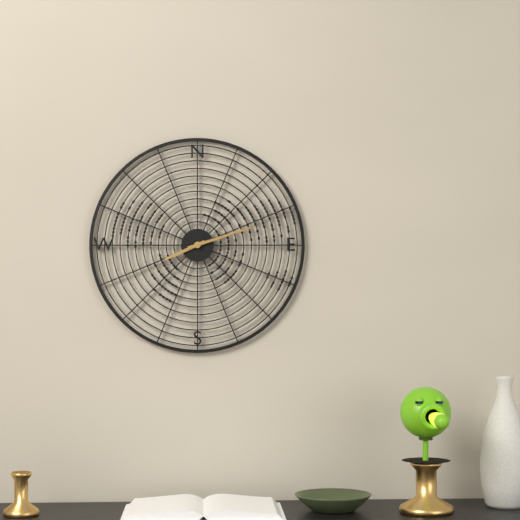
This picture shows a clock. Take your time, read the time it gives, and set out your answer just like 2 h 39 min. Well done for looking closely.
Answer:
8 h 12 min
